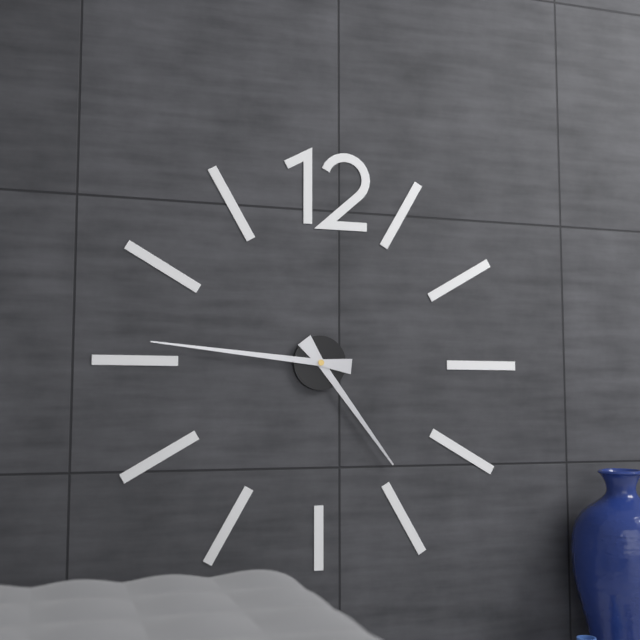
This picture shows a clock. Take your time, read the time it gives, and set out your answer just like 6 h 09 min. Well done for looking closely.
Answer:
4 h 46 min
